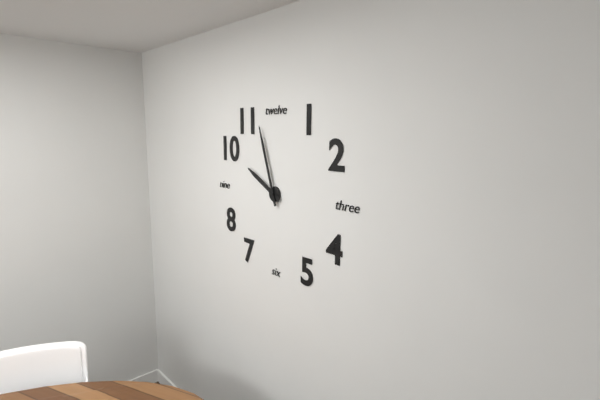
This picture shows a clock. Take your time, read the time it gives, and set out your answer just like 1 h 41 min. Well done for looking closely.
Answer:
9 h 57 min
